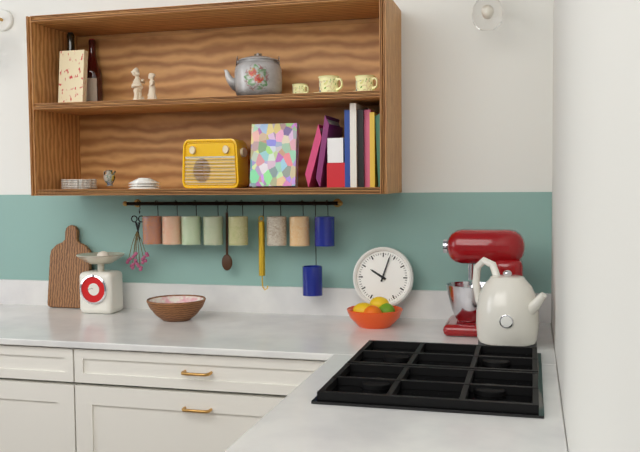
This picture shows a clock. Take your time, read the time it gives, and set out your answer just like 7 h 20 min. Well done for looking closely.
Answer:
10 h 03 min
